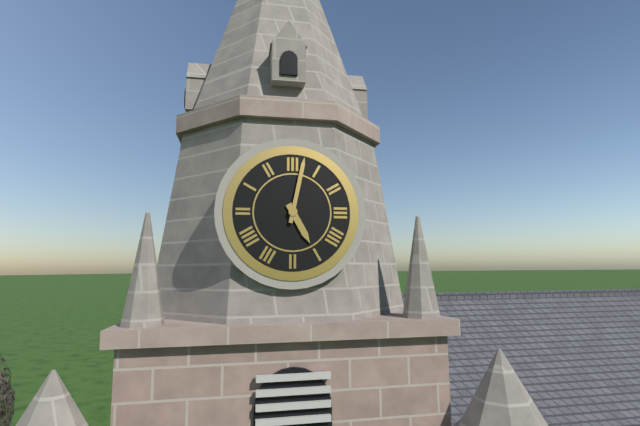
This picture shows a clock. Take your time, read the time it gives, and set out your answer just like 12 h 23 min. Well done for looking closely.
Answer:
5 h 02 min
